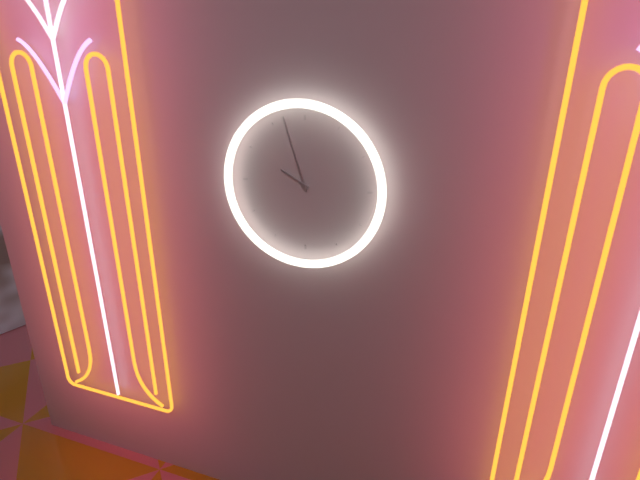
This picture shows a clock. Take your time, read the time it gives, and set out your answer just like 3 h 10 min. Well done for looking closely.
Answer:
9 h 57 min
